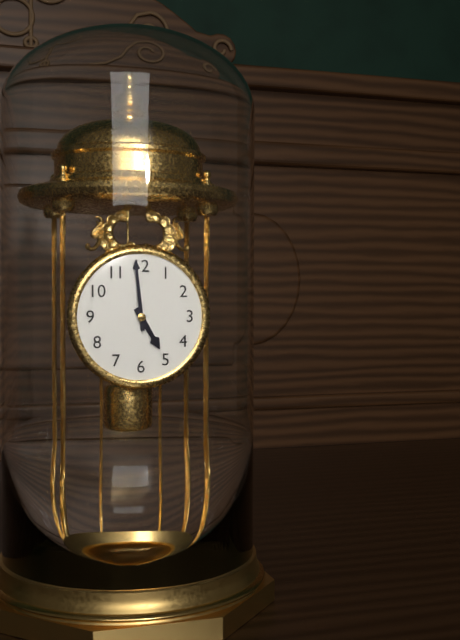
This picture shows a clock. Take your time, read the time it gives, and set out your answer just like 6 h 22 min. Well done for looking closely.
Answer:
4 h 59 min
